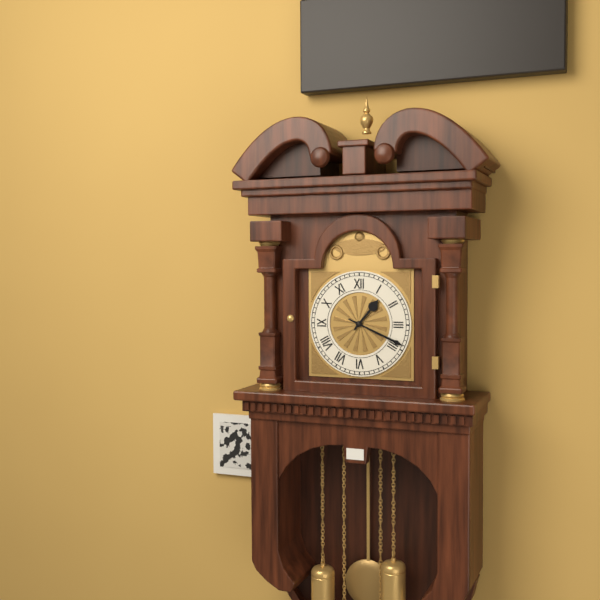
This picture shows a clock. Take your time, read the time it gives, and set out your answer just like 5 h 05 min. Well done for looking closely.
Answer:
1 h 19 min
